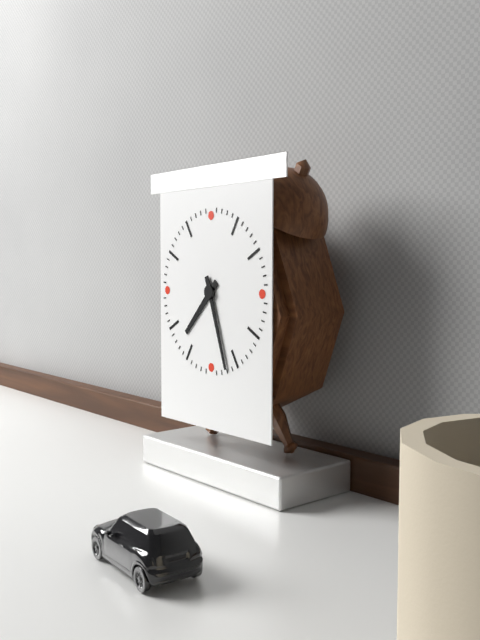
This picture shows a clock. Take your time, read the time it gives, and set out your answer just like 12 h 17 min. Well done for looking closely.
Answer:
7 h 27 min
